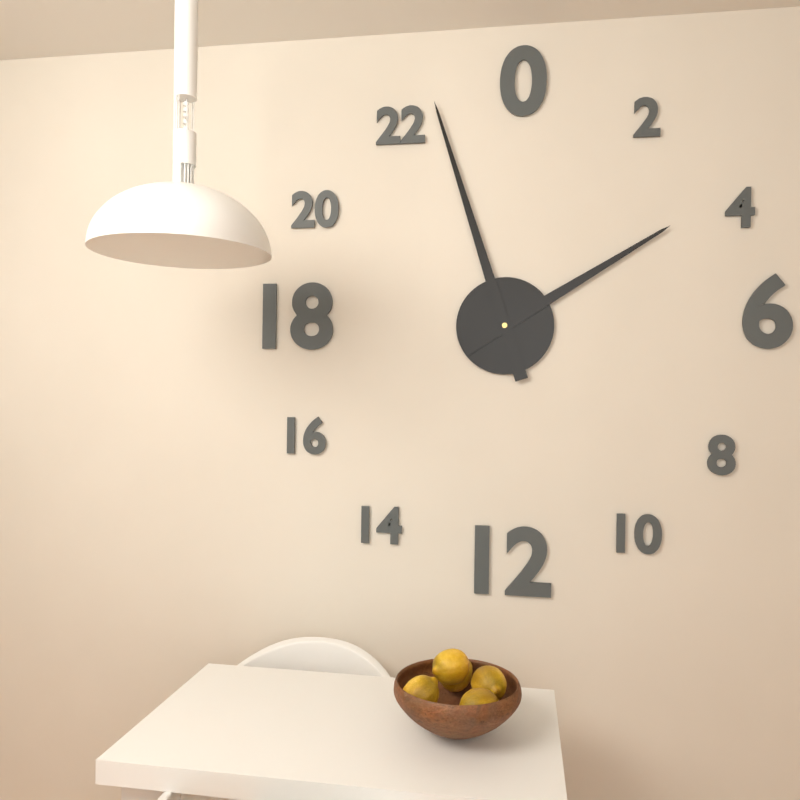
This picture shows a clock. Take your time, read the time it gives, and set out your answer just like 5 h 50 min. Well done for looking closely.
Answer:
1 h 57 min
